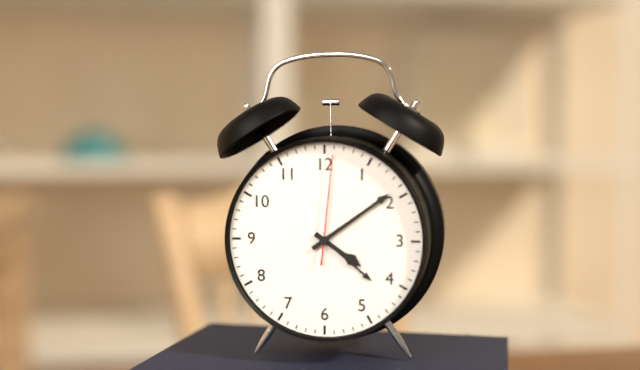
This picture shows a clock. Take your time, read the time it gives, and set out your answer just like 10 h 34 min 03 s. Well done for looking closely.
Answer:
4 h 09 min 01 s
